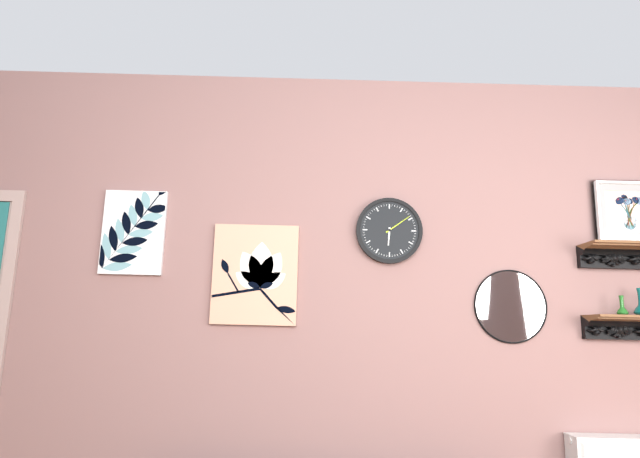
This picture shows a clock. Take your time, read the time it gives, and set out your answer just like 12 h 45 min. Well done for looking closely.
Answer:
6 h 09 min
